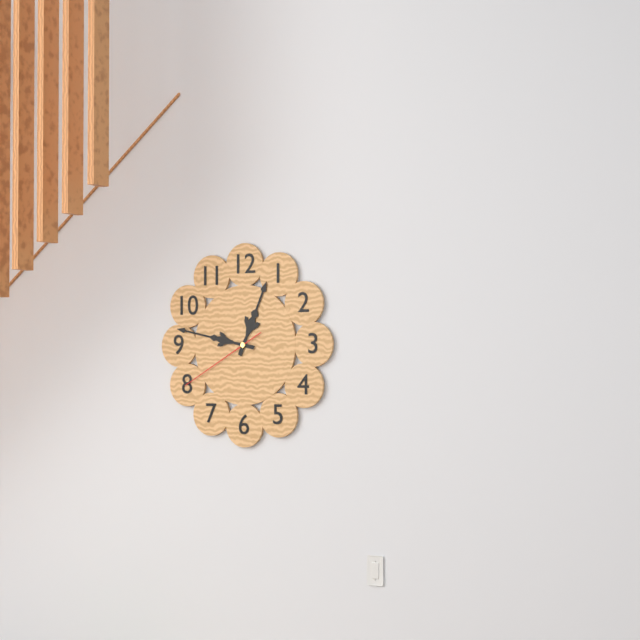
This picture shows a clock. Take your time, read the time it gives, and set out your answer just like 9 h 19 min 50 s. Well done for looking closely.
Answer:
12 h 47 min 40 s
